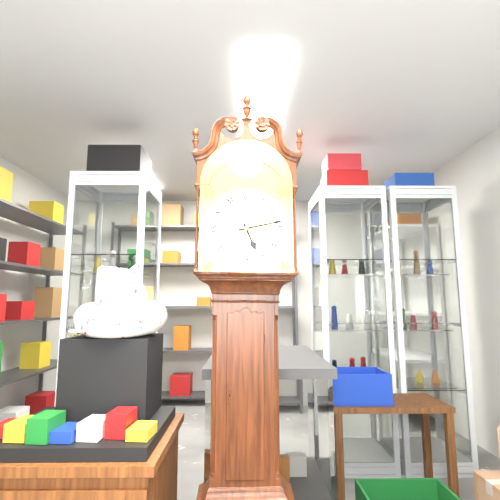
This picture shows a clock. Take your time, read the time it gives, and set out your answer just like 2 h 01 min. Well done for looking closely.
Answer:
5 h 13 min
